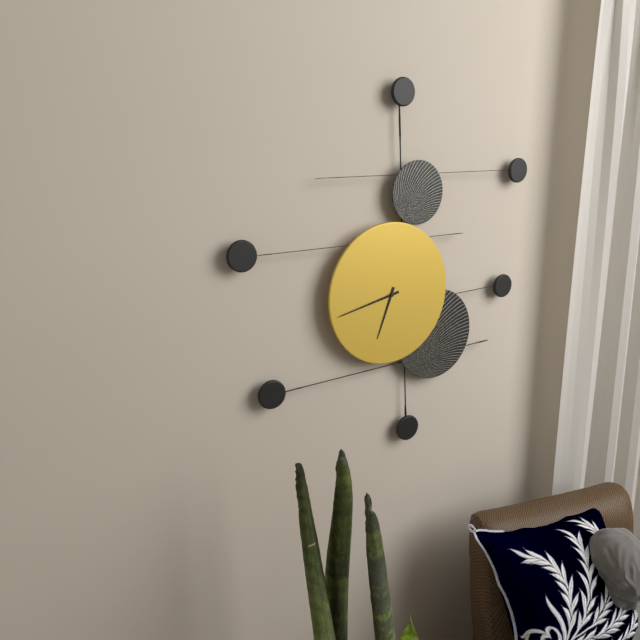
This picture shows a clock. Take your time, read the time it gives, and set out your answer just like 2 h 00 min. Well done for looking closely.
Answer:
6 h 43 min
